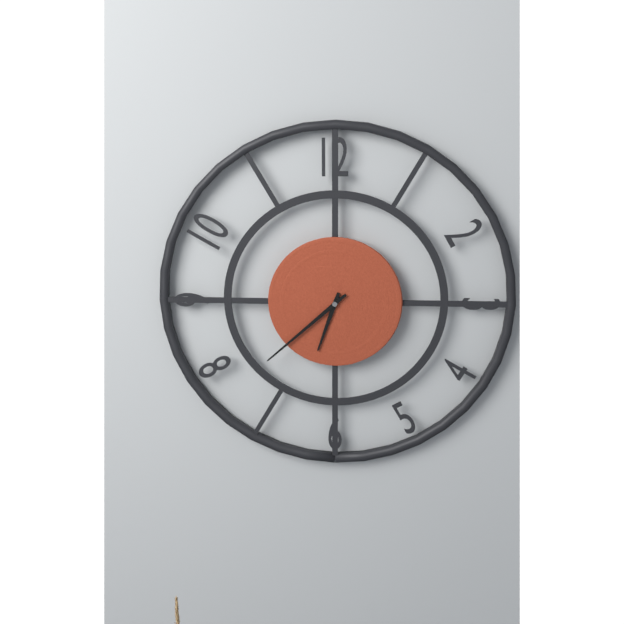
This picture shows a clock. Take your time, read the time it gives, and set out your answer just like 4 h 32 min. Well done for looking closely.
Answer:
6 h 38 min
